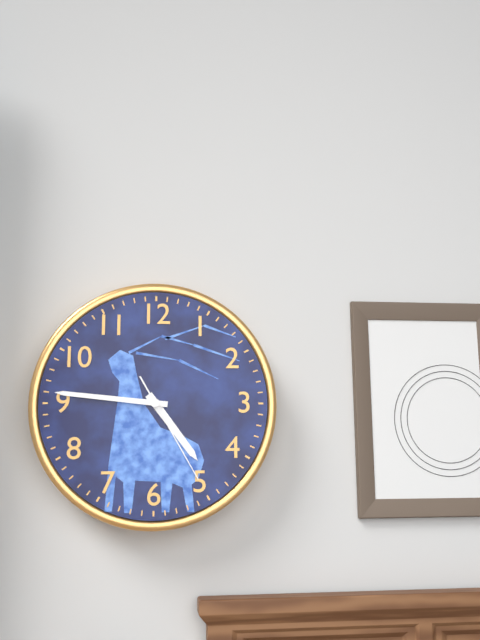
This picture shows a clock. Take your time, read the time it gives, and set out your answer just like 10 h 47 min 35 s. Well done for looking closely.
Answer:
4 h 46 min 25 s
